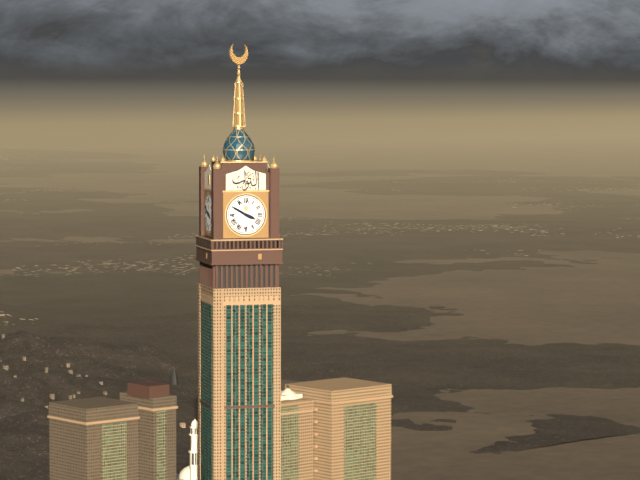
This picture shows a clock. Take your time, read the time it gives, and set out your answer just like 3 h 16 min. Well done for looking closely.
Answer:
3 h 50 min
